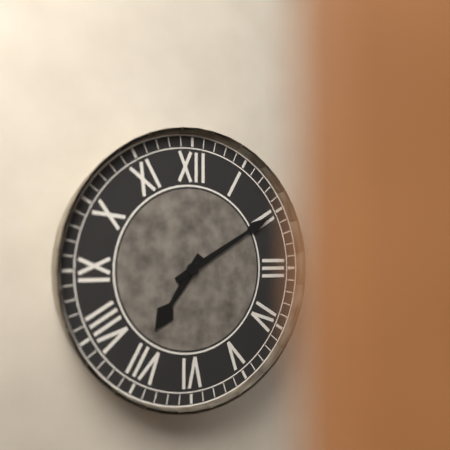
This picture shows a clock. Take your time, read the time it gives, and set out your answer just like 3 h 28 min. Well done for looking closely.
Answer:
7 h 10 min
